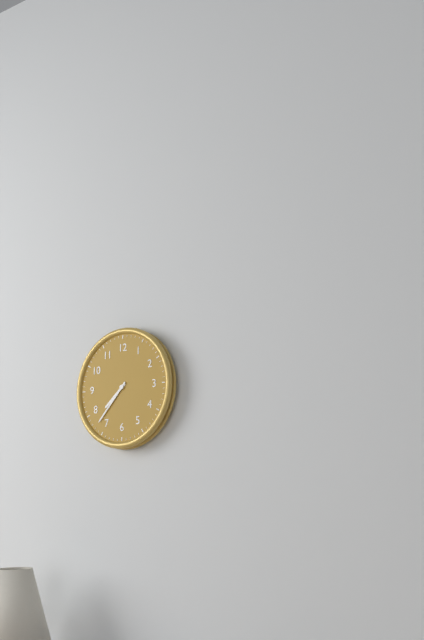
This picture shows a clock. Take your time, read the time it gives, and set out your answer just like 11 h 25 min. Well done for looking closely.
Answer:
7 h 37 min
